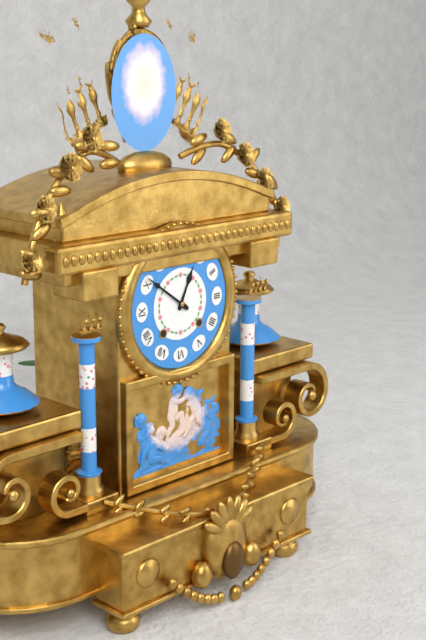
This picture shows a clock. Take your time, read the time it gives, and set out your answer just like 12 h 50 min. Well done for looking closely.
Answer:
12 h 51 min
